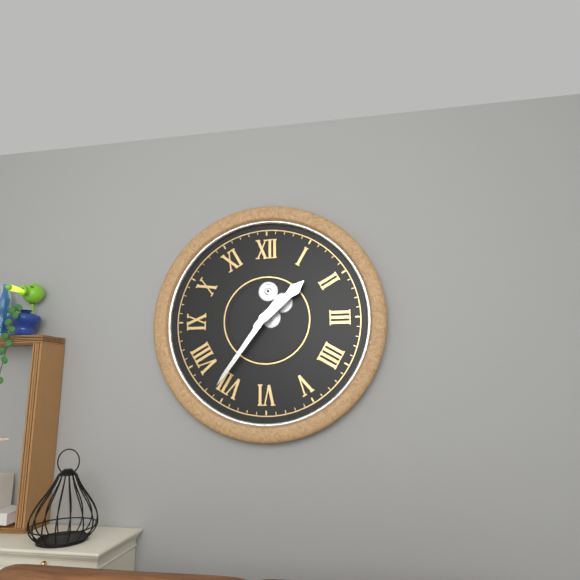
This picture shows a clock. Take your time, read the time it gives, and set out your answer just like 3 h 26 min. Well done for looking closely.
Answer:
1 h 36 min
